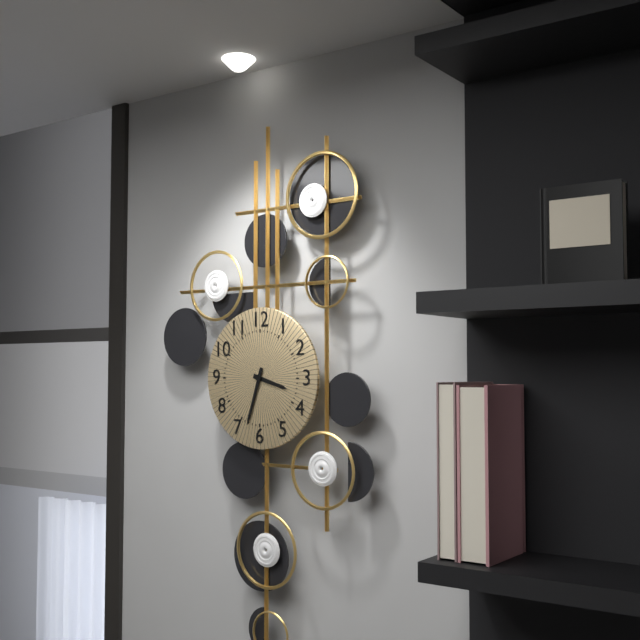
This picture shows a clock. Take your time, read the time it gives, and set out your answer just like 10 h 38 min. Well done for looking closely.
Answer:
3 h 33 min
